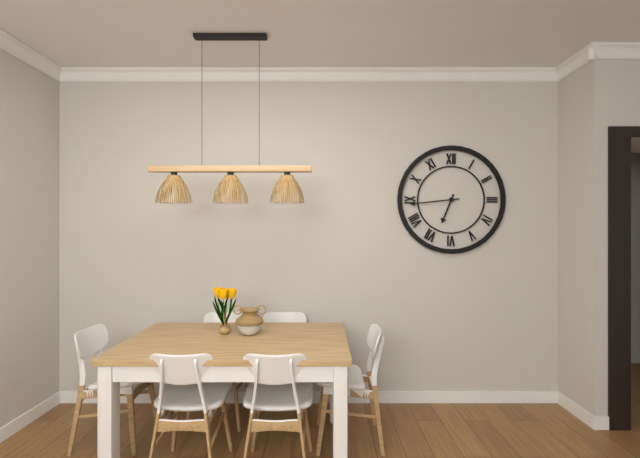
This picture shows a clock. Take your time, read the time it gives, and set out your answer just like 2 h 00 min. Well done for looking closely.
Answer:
6 h 44 min
